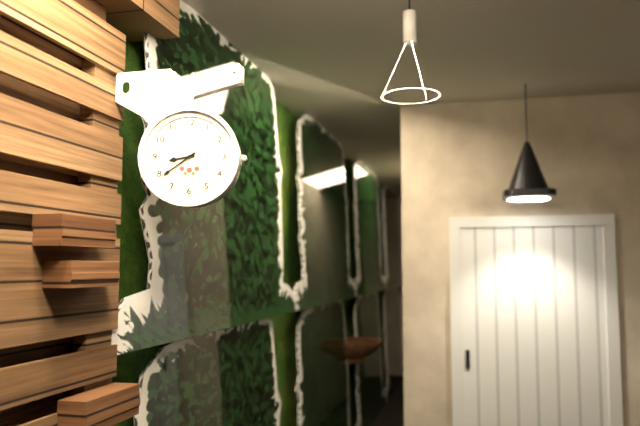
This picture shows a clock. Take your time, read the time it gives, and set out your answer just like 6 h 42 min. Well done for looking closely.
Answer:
8 h 39 min
